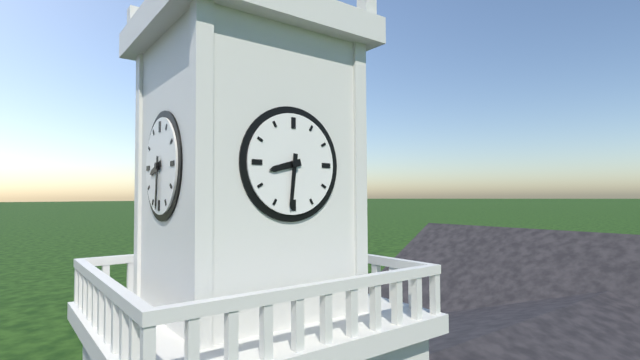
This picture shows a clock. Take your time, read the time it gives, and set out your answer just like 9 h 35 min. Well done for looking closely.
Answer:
8 h 31 min
